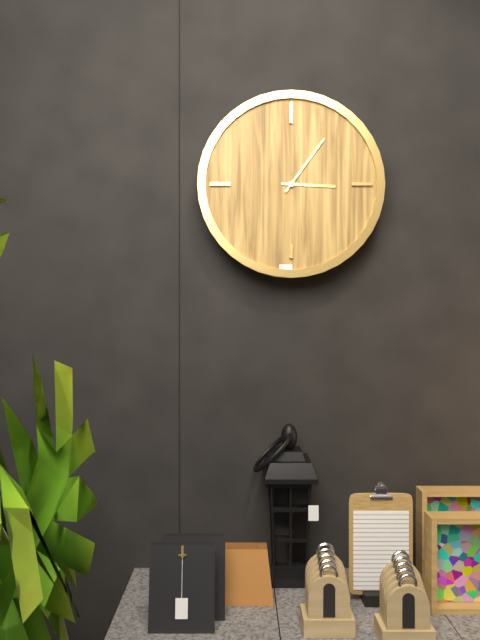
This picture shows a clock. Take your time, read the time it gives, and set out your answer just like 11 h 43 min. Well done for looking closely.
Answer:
3 h 06 min
